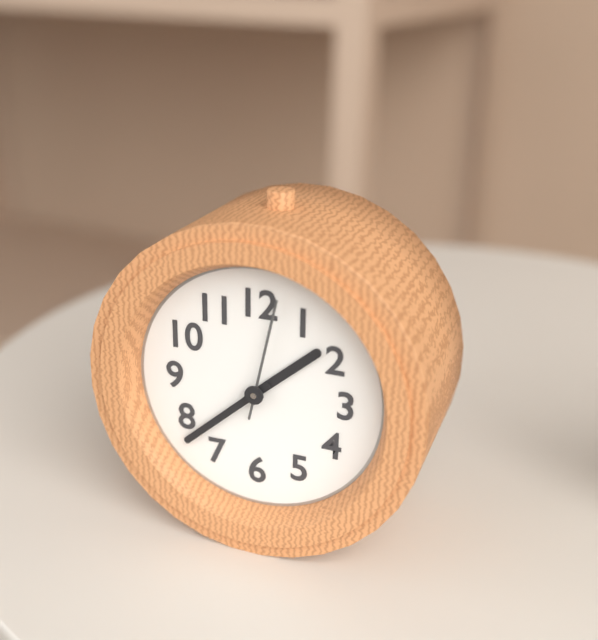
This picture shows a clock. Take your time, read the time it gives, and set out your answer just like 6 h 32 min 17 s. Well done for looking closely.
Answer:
1 h 38 min 02 s
